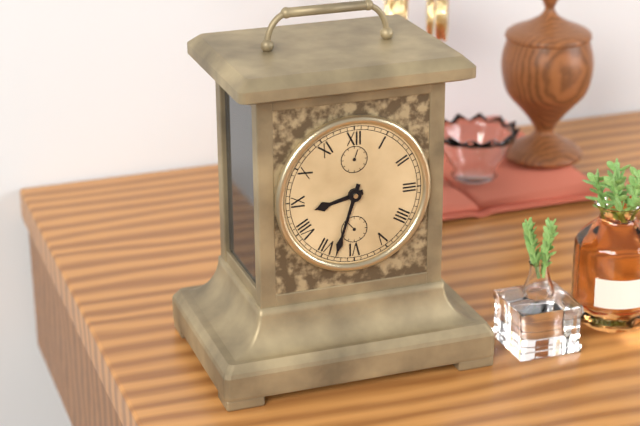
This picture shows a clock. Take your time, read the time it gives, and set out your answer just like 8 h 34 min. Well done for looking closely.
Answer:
8 h 33 min
